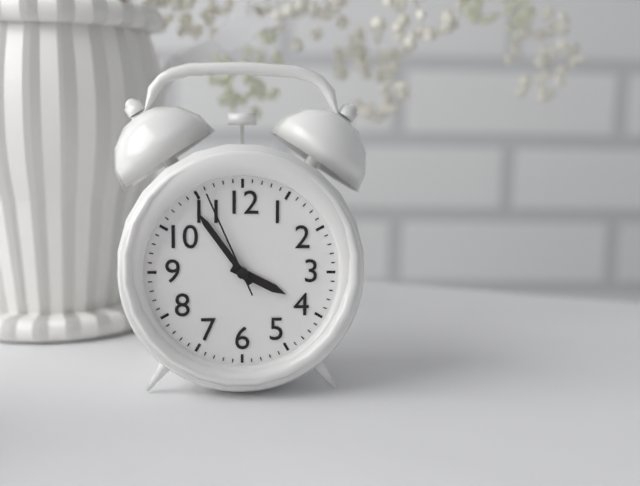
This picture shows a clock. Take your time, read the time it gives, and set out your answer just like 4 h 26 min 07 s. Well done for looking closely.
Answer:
3 h 54 min 56 s
